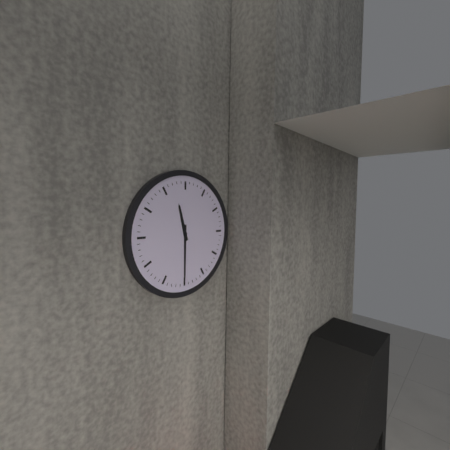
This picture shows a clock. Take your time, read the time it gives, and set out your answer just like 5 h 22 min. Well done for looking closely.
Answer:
11 h 30 min
